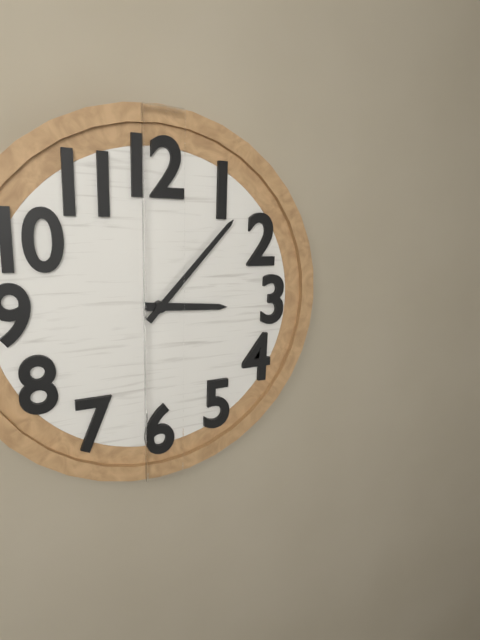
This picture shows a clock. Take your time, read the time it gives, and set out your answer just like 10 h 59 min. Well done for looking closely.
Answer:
3 h 07 min
